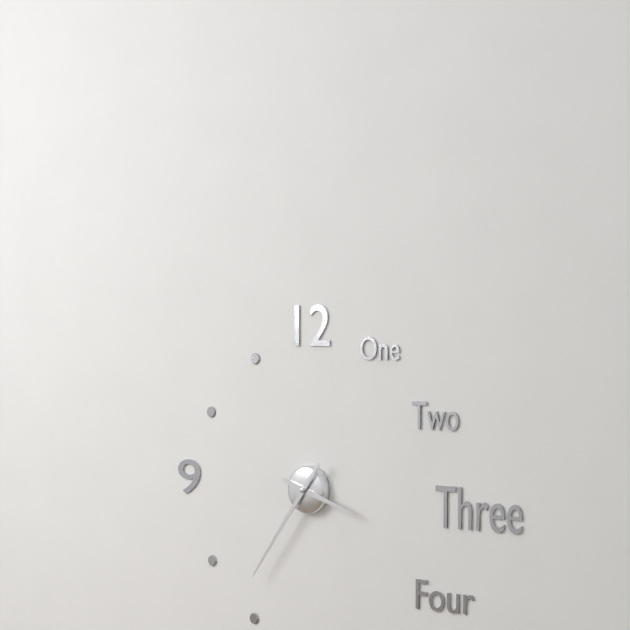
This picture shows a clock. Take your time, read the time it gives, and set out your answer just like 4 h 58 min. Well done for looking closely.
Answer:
3 h 36 min
